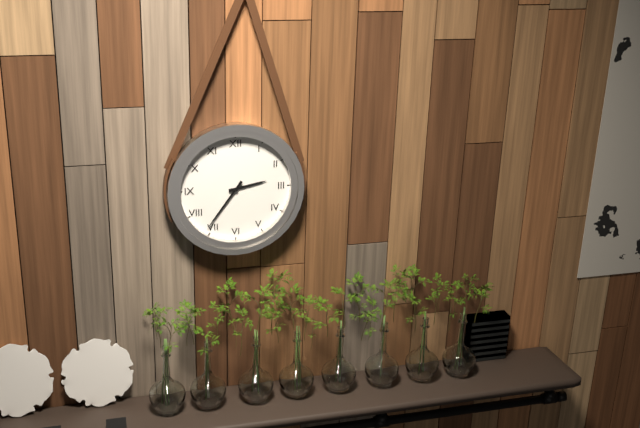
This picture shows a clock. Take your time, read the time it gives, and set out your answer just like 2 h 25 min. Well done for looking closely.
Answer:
2 h 36 min
